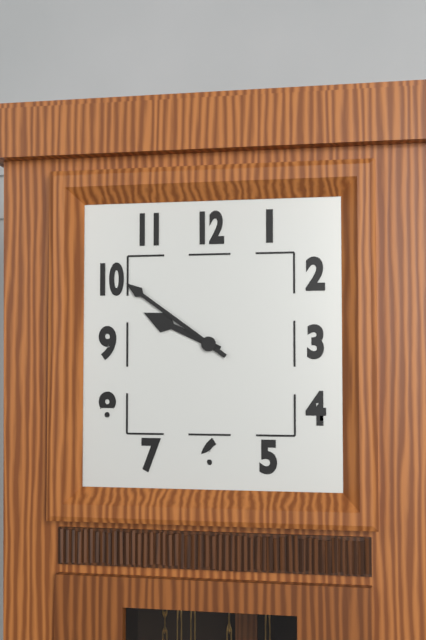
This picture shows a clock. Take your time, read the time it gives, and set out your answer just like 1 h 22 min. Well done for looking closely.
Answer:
9 h 51 min
